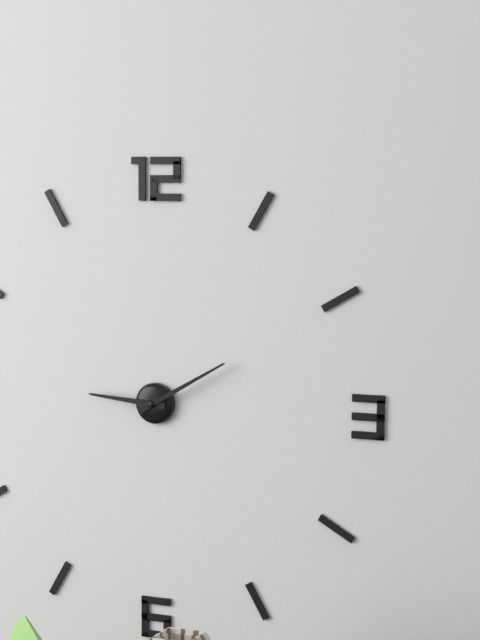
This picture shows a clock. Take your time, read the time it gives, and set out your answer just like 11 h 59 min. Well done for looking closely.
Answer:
9 h 10 min
